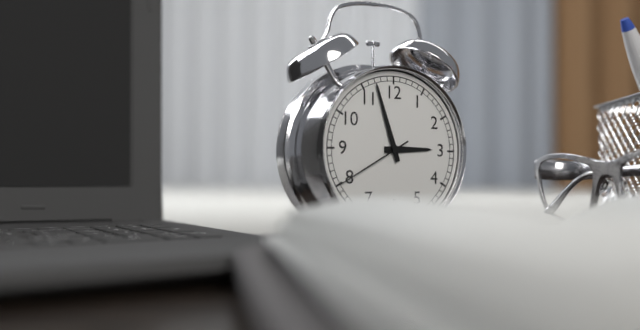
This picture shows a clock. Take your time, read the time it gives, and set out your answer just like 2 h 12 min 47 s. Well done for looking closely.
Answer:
2 h 57 min 40 s
